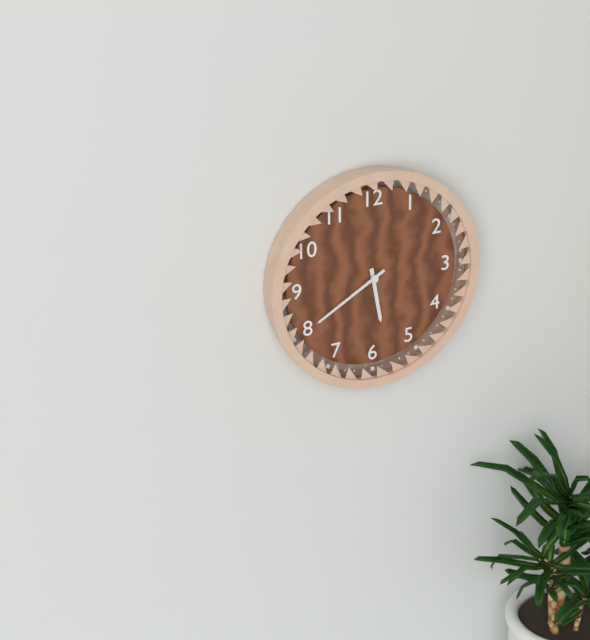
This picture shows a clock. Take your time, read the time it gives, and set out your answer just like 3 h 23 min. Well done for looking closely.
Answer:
5 h 40 min
